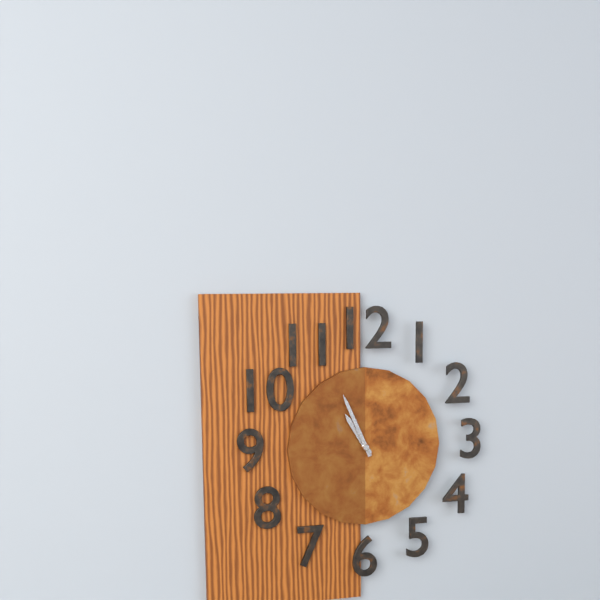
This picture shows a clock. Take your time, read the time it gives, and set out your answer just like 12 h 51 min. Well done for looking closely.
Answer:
10 h 56 min
